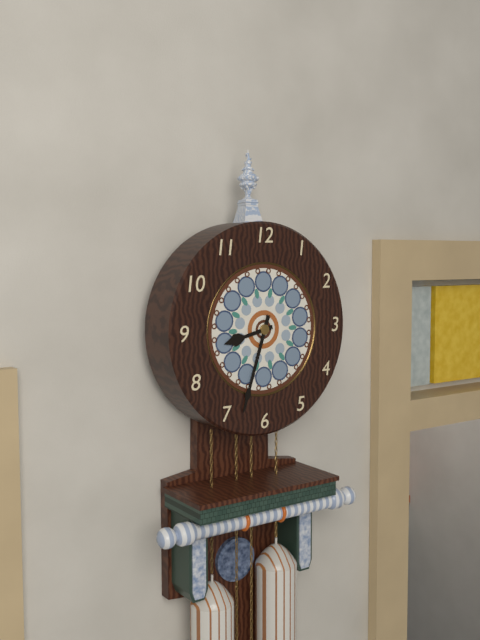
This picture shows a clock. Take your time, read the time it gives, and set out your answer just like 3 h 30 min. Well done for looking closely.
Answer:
8 h 33 min
